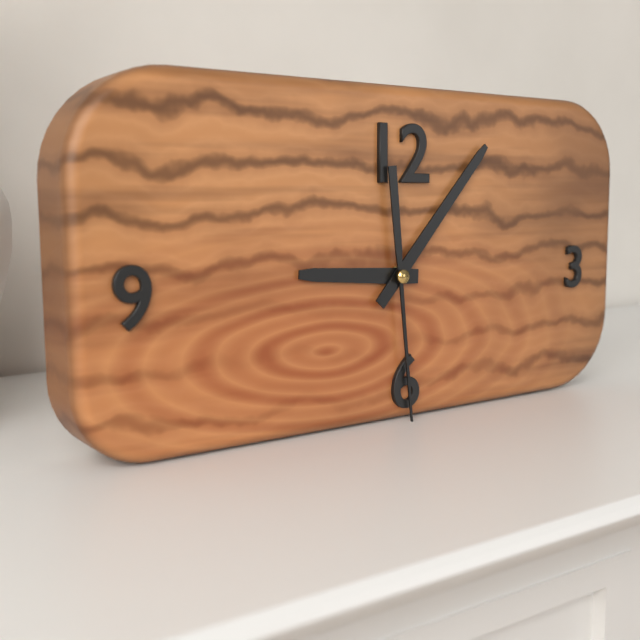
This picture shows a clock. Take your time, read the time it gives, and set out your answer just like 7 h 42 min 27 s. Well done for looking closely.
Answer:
9 h 07 min 29 s
